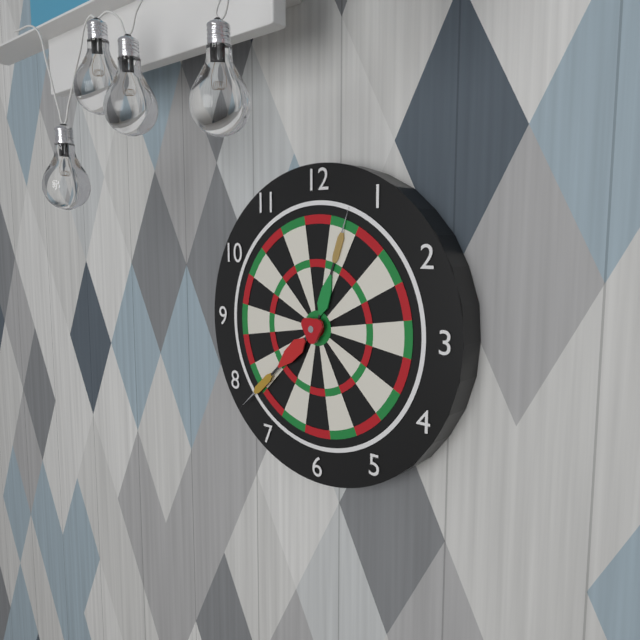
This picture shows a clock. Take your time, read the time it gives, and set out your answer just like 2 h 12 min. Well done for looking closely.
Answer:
12 h 38 min
